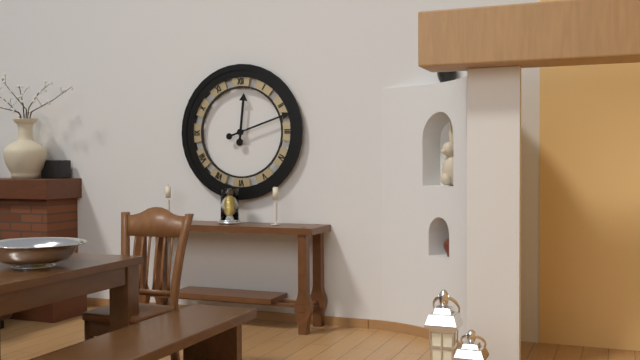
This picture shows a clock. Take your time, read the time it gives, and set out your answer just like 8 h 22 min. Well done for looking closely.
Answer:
12 h 12 min
